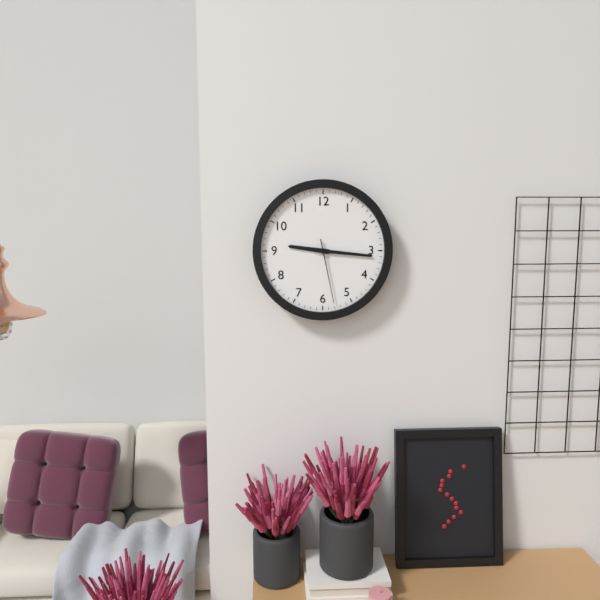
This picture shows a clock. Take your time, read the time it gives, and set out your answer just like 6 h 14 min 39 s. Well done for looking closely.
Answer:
9 h 16 min 28 s
